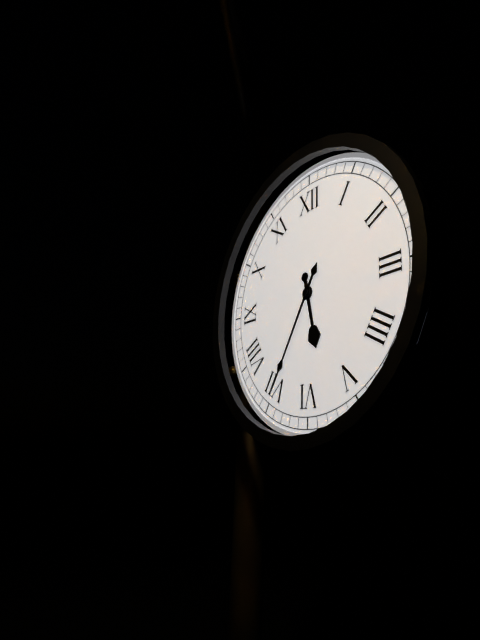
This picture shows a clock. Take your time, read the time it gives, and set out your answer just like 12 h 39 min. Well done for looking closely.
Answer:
5 h 35 min
